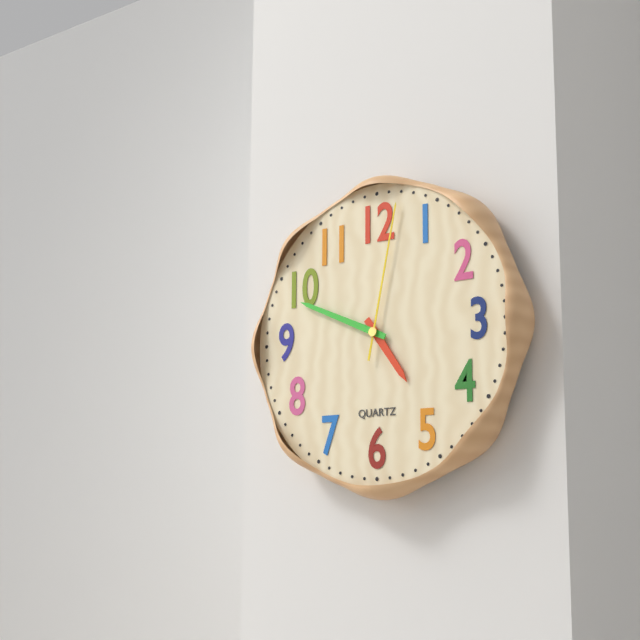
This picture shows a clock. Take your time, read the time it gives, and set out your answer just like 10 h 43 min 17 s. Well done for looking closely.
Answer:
4 h 49 min 02 s
